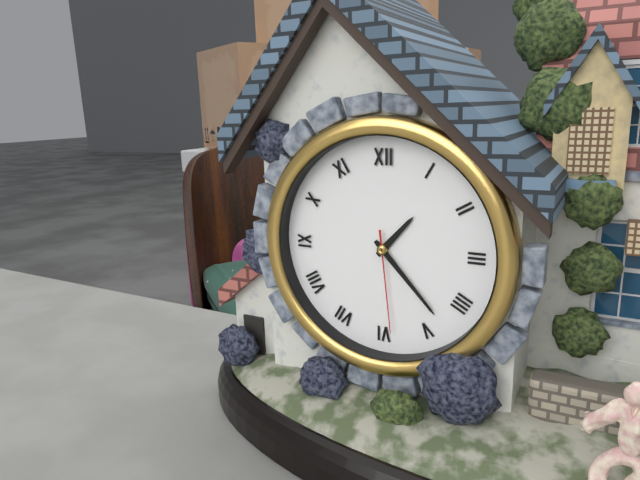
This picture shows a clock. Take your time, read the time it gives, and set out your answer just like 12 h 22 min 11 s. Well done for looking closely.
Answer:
1 h 23 min 29 s
